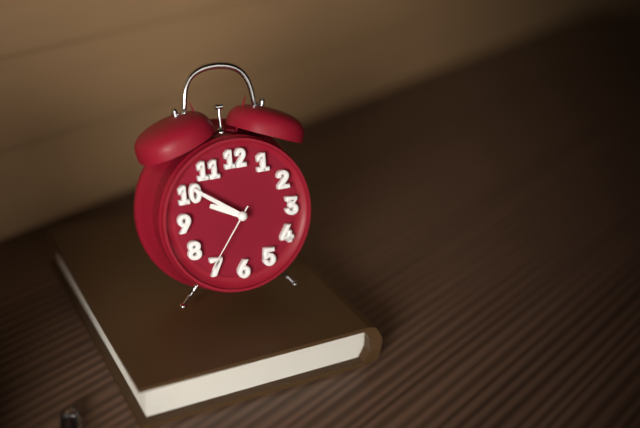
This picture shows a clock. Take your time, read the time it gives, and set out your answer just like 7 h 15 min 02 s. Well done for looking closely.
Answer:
9 h 51 min 36 s
